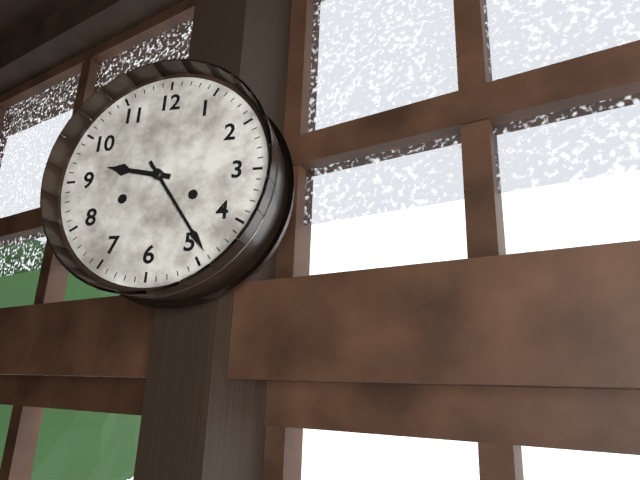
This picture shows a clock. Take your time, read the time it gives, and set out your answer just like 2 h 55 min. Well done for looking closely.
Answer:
9 h 24 min
